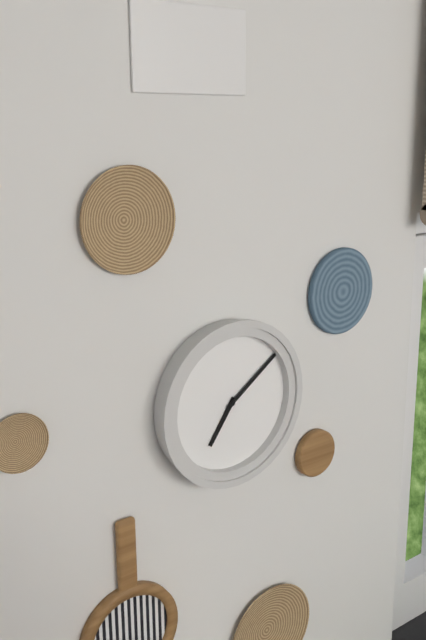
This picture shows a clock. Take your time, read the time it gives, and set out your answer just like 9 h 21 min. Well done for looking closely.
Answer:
7 h 09 min
